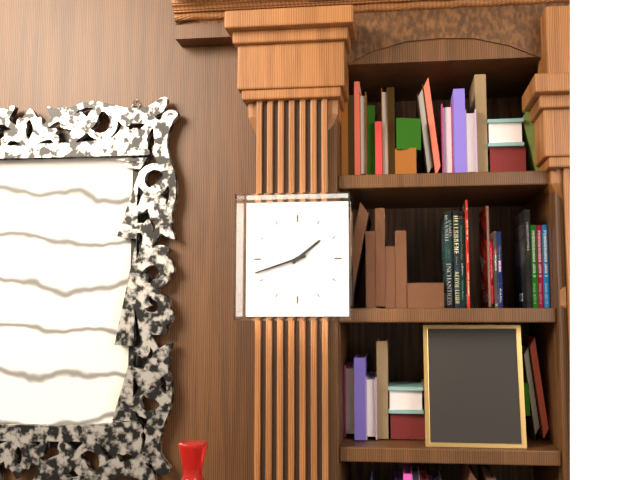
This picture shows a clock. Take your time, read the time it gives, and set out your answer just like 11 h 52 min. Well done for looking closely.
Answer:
1 h 42 min
